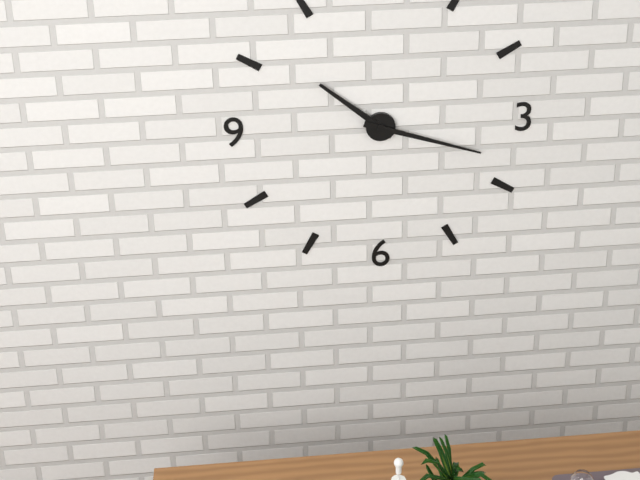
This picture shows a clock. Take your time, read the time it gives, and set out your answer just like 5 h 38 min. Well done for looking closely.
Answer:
10 h 18 min
